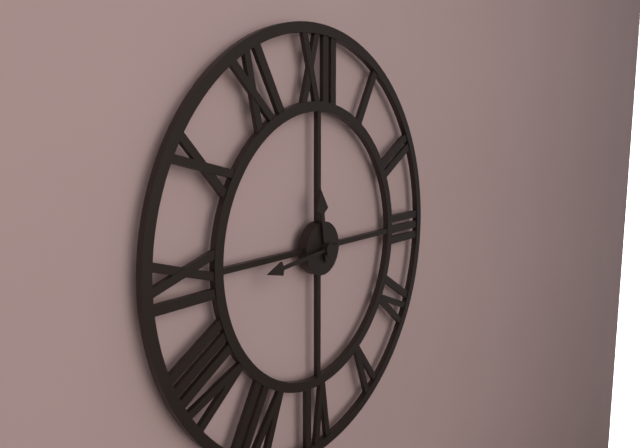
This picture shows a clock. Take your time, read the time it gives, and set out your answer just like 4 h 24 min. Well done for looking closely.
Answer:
11 h 44 min
